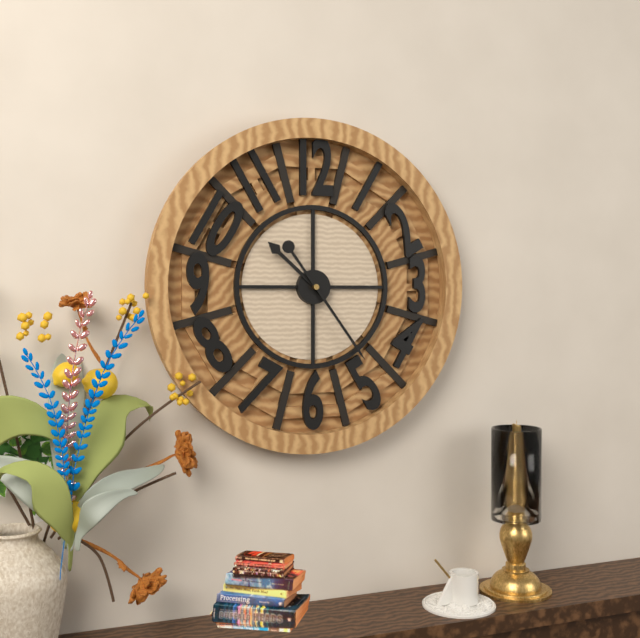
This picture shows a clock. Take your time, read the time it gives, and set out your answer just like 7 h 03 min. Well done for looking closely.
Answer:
10 h 24 min
